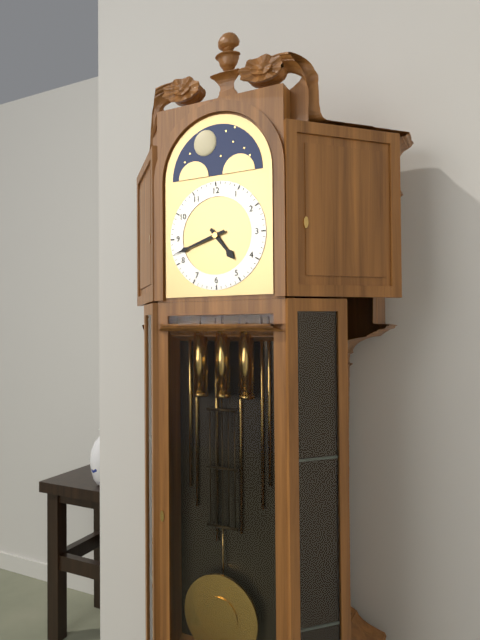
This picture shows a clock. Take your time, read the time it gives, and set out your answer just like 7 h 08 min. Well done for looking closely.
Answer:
4 h 42 min
